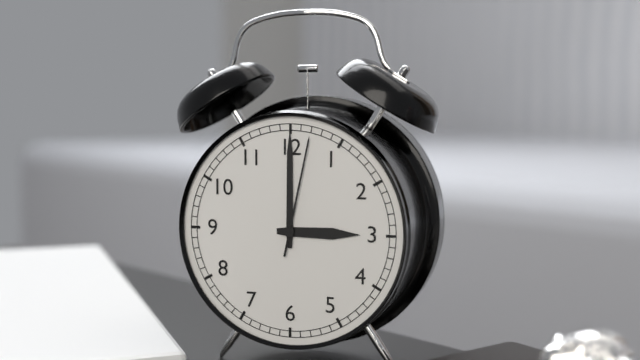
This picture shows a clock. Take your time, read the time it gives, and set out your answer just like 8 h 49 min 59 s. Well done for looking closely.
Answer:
3 h 00 min 02 s
